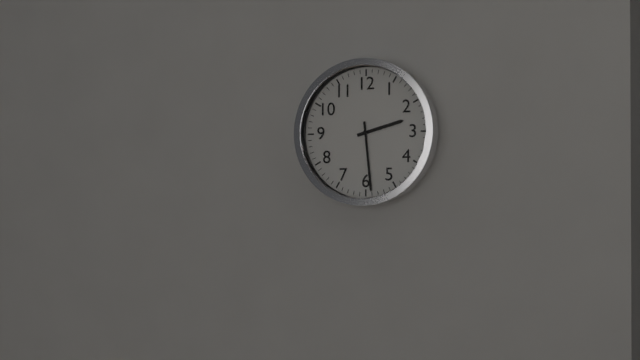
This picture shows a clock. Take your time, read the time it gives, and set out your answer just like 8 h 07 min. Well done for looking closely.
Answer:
2 h 29 min
